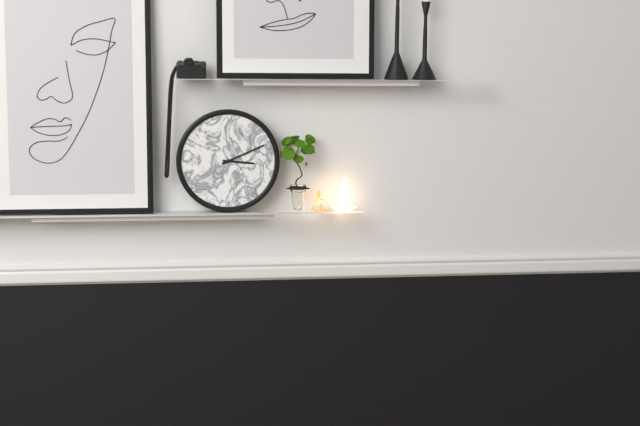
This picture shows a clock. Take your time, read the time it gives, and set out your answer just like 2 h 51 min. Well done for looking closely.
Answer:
3 h 11 min
